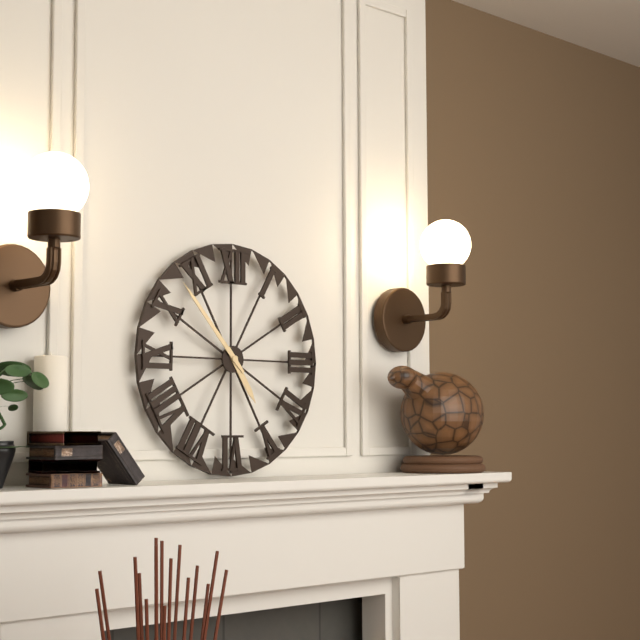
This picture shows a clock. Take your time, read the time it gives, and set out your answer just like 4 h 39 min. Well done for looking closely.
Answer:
4 h 53 min
